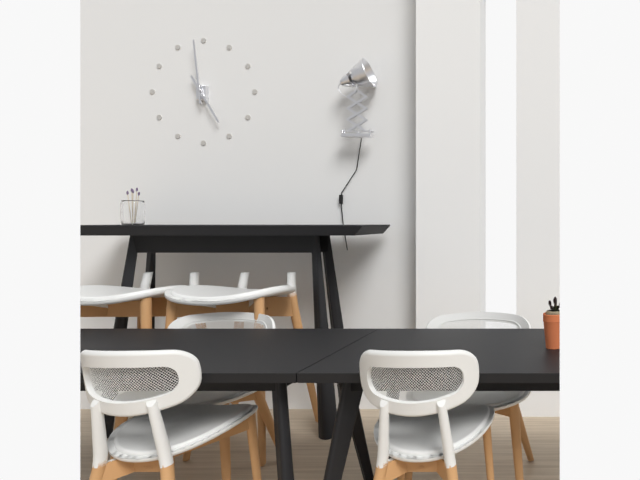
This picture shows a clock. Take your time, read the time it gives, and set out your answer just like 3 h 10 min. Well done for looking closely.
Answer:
4 h 59 min
